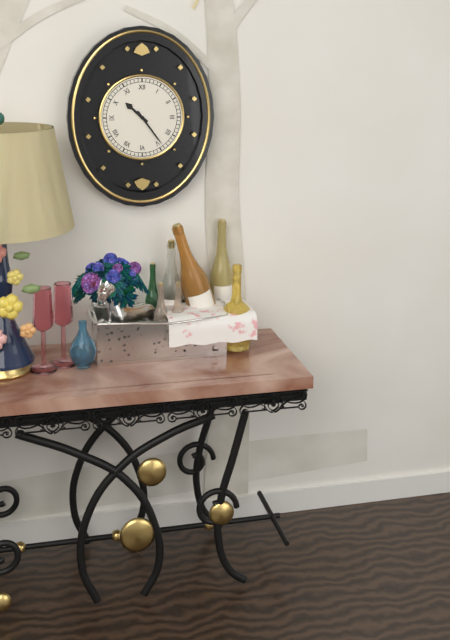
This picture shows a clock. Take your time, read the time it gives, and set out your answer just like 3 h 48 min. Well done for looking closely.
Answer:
10 h 24 min
